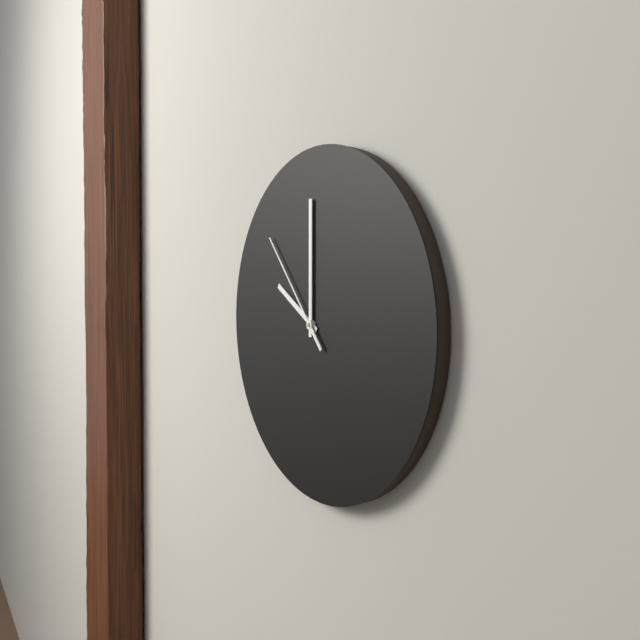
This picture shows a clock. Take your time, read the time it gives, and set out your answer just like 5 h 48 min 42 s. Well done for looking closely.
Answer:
10 h 00 min 53 s
